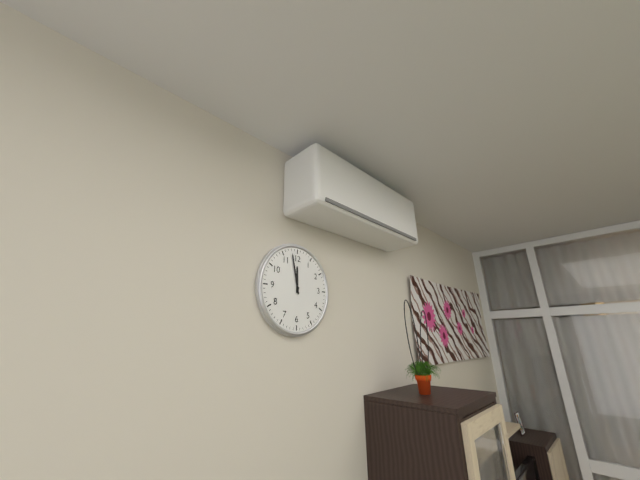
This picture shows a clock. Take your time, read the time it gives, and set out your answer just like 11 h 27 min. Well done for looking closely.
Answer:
11 h 58 min
